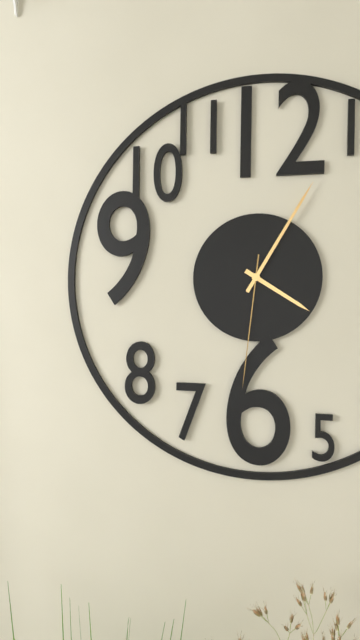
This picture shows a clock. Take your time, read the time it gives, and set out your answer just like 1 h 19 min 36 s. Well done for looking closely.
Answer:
4 h 05 min 31 s
